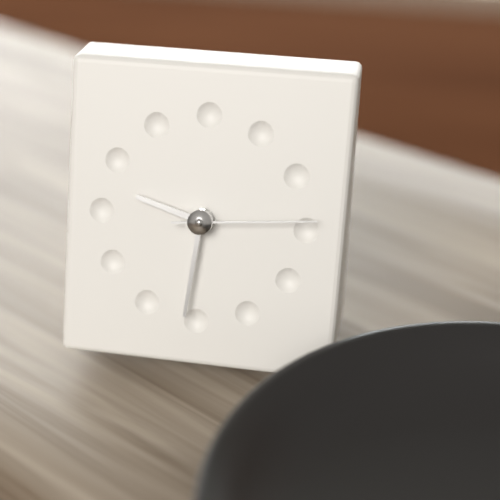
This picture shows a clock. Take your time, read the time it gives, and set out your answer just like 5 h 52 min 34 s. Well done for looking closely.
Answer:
9 h 31 min 14 s
